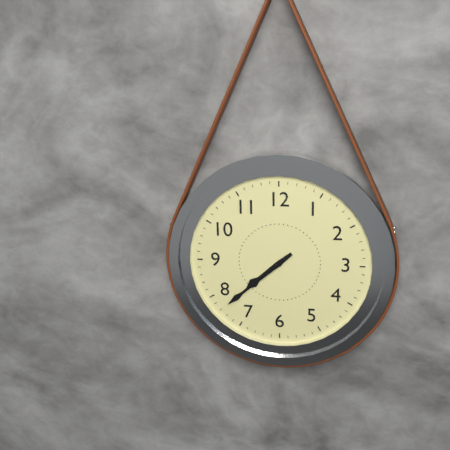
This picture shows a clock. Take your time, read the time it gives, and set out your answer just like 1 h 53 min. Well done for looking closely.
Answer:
7 h 38 min
